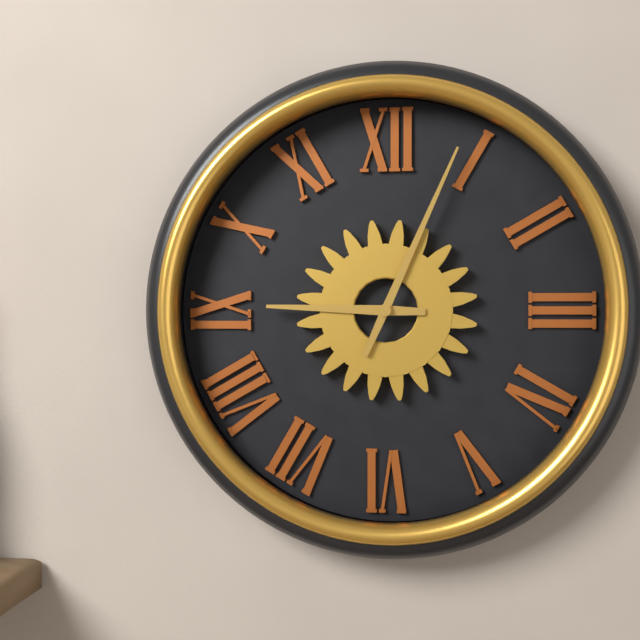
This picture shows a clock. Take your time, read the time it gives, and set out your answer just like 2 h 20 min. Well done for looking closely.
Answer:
9 h 04 min
